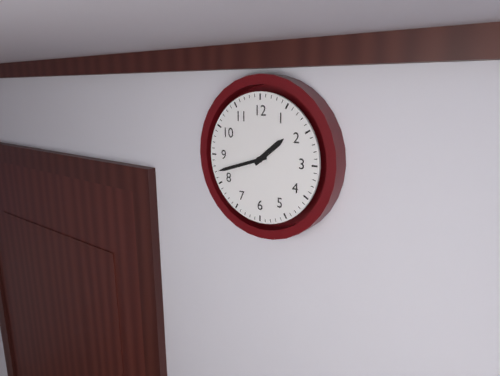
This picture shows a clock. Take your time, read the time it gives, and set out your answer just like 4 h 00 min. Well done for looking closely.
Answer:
1 h 42 min
